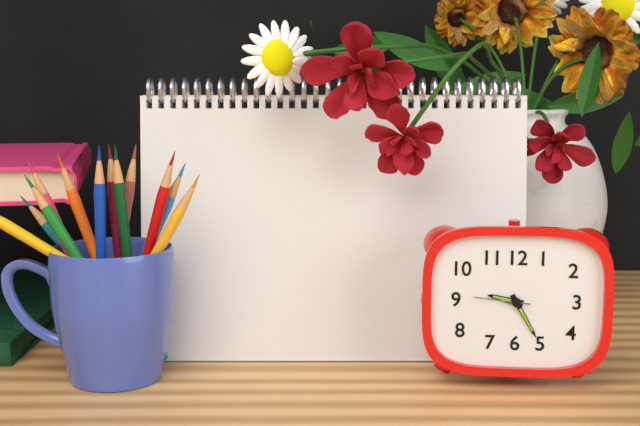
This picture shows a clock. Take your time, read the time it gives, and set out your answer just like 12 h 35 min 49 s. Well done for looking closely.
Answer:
9 h 25 min 46 s
